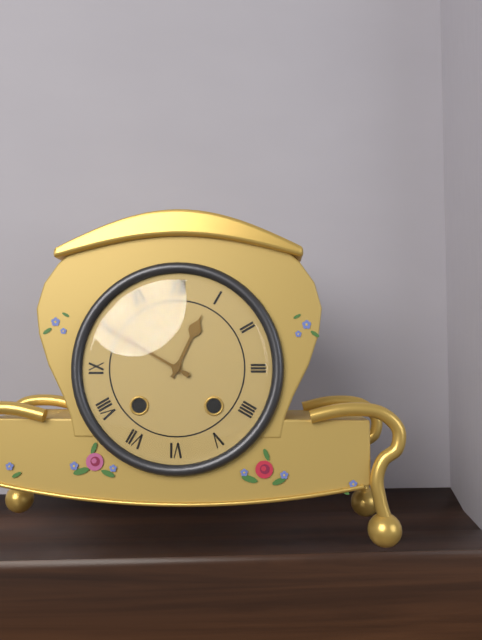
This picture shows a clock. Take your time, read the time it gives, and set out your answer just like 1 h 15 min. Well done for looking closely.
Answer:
12 h 50 min
